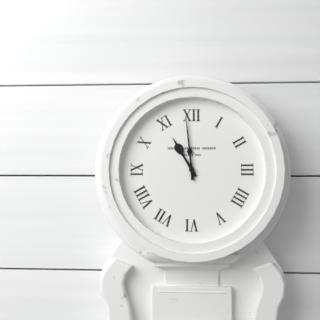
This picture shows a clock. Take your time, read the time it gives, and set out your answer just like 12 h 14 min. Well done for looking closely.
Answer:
10 h 59 min
